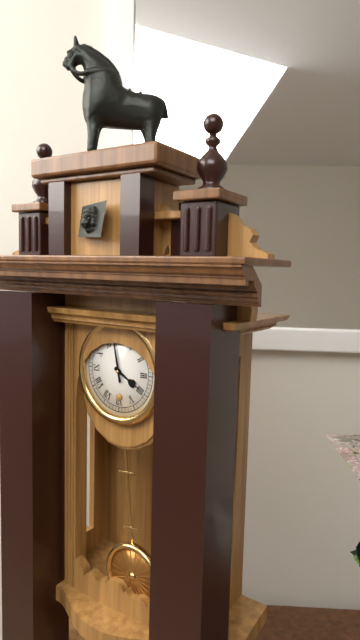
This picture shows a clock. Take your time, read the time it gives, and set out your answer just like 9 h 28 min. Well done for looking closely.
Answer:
3 h 58 min
